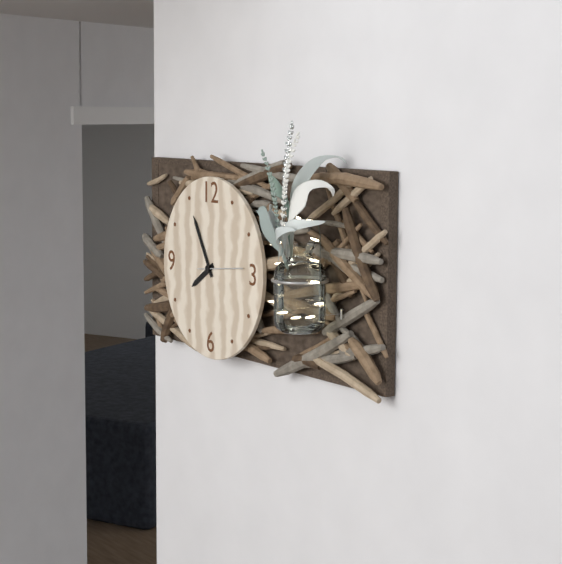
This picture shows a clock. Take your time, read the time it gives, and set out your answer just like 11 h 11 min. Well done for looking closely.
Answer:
7 h 55 min
